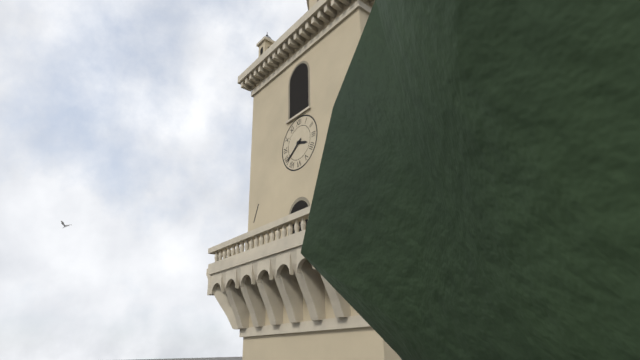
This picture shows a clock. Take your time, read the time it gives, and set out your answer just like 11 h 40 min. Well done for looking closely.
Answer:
3 h 39 min
